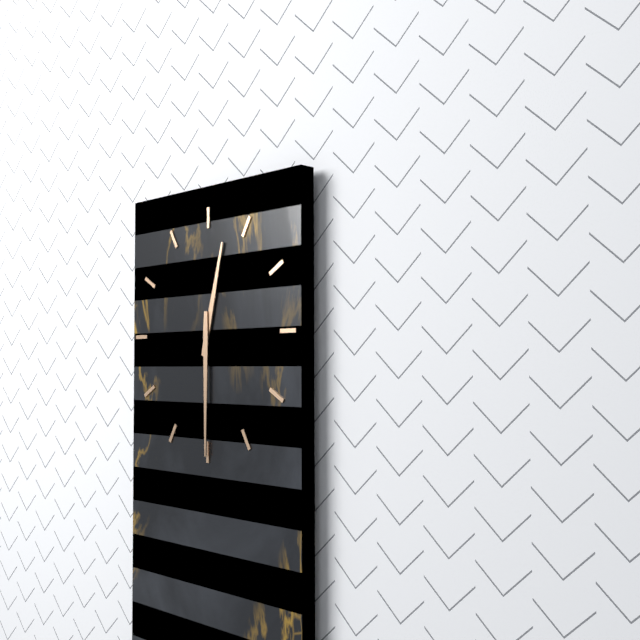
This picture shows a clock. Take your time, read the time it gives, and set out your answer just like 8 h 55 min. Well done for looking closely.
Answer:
12 h 30 min
